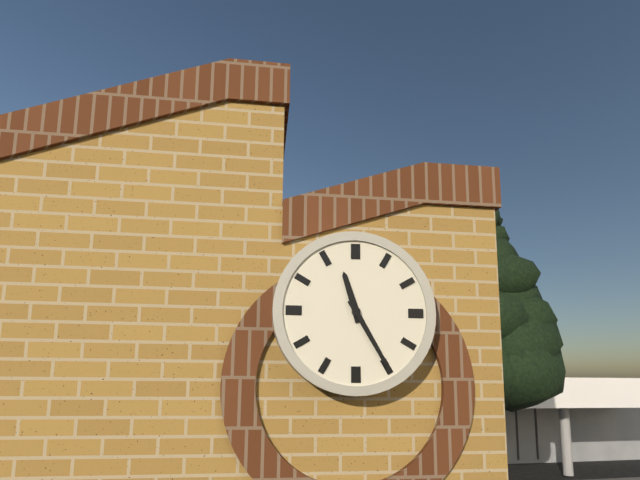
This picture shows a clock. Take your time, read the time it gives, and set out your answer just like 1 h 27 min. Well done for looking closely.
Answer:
11 h 25 min
